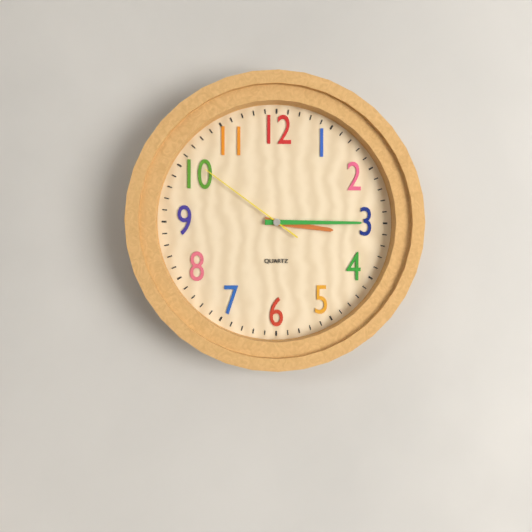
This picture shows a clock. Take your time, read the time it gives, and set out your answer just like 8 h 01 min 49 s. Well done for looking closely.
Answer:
3 h 15 min 51 s
